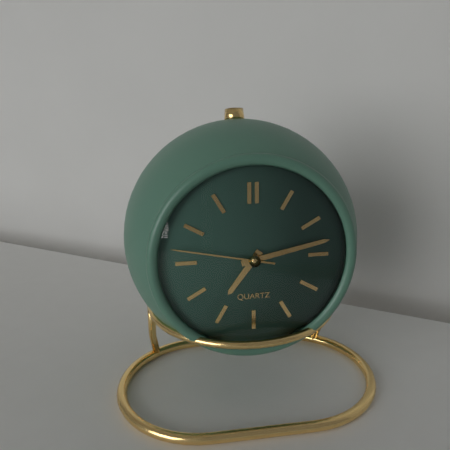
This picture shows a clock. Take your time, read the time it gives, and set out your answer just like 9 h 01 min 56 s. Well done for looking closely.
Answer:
7 h 13 min 47 s
